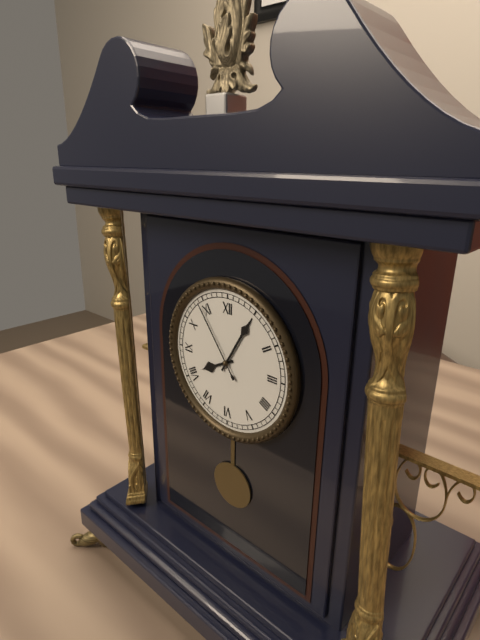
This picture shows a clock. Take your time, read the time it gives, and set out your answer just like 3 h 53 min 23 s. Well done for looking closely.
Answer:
8 h 05 min 54 s
